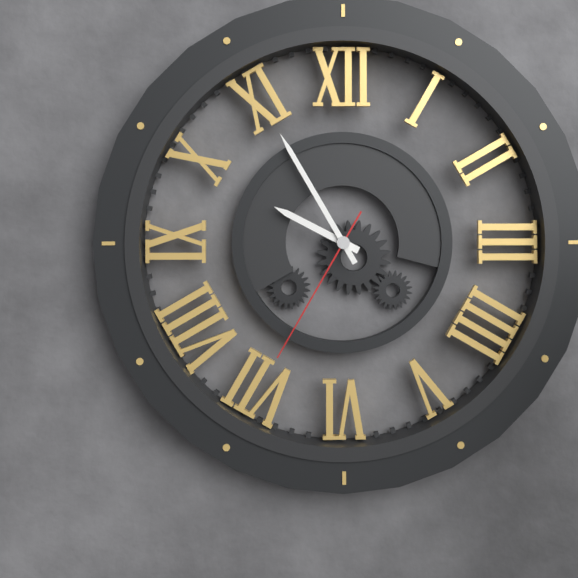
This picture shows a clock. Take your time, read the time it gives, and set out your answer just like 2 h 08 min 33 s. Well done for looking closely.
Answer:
9 h 55 min 35 s
